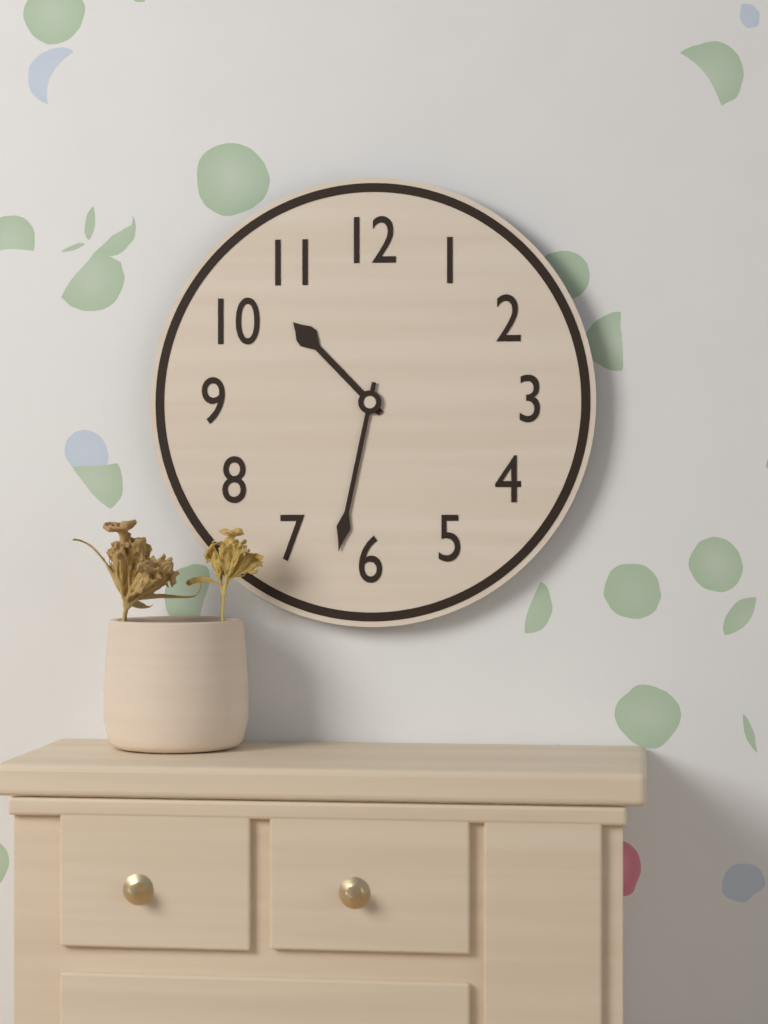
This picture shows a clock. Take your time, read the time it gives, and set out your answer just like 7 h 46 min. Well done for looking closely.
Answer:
10 h 32 min
